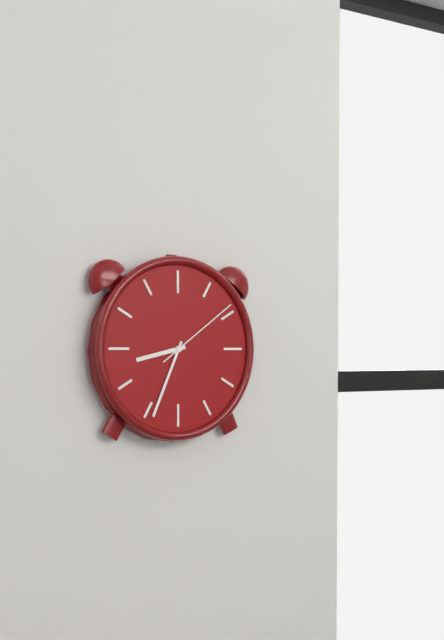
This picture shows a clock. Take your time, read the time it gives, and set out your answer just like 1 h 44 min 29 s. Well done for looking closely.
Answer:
8 h 34 min 09 s
